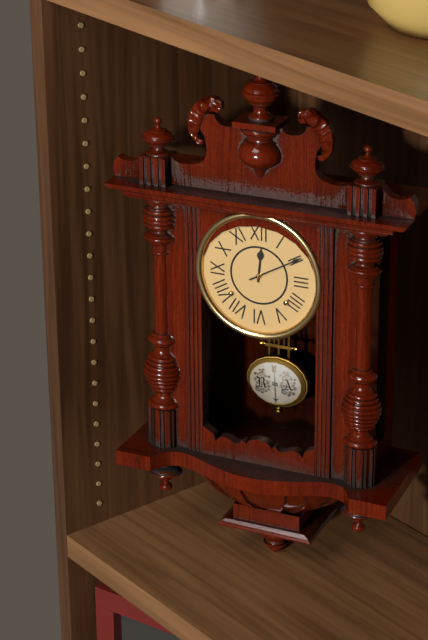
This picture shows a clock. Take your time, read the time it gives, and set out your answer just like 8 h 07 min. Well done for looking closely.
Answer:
12 h 10 min
